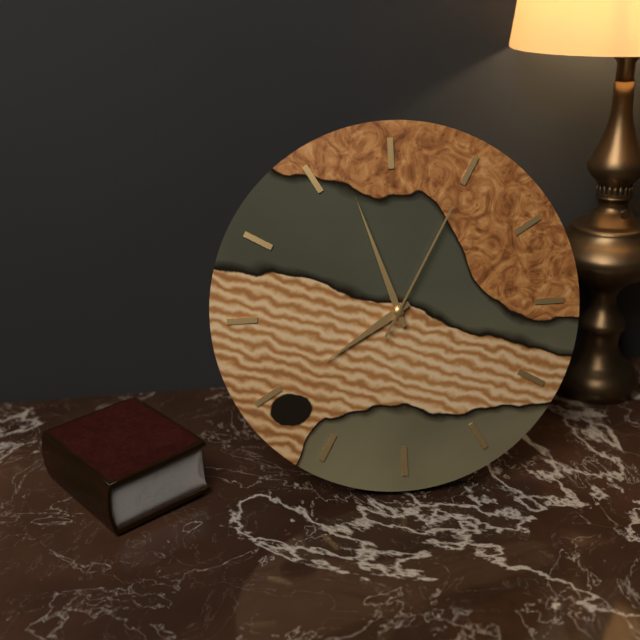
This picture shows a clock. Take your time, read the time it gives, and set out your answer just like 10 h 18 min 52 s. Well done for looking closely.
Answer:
7 h 57 min 05 s
